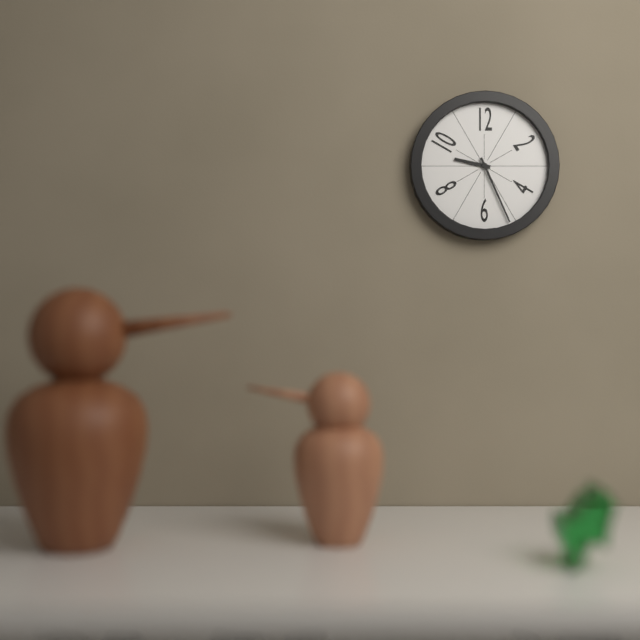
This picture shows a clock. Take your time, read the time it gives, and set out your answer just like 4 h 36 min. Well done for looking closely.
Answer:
9 h 26 min
